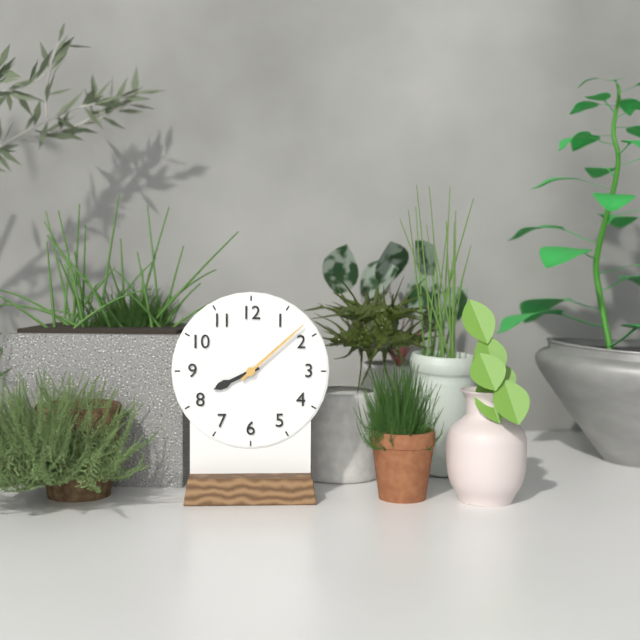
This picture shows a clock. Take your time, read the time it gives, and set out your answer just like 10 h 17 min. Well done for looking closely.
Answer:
8 h 08 min
